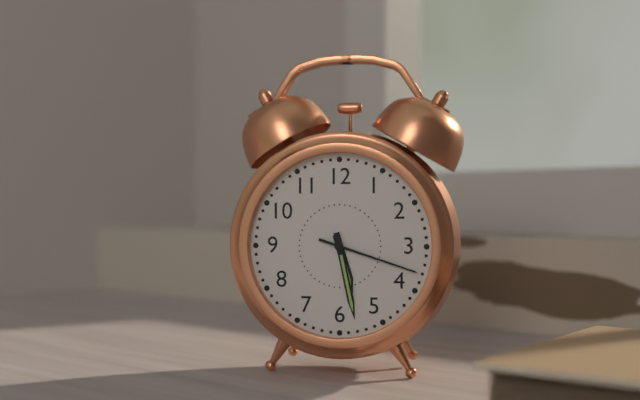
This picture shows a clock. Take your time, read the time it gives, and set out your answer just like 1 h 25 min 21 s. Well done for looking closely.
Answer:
5 h 28 min 18 s
